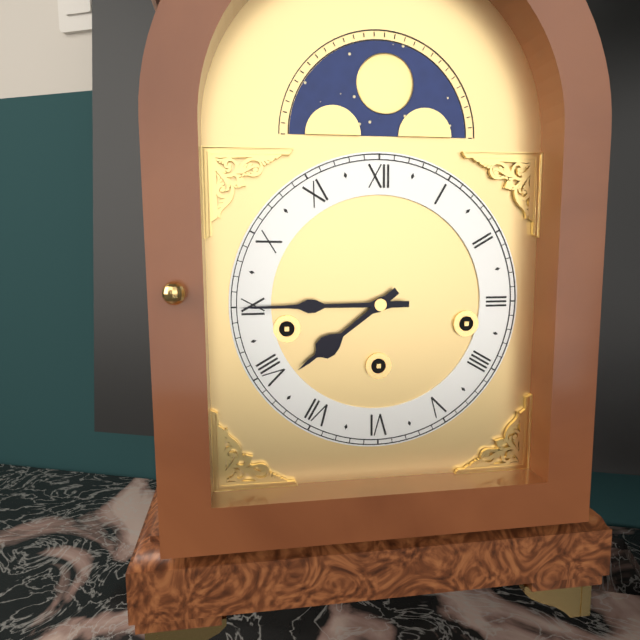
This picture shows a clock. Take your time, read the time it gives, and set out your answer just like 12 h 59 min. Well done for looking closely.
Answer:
7 h 45 min
